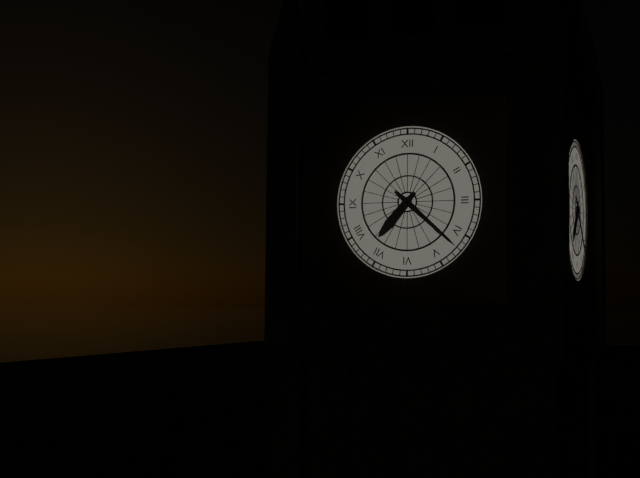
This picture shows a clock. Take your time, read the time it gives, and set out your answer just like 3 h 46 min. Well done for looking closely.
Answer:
7 h 22 min
